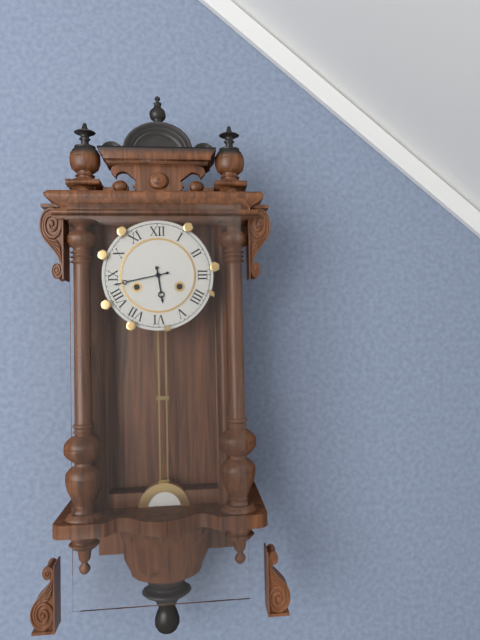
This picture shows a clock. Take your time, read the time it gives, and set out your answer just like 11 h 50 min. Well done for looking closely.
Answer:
5 h 43 min
